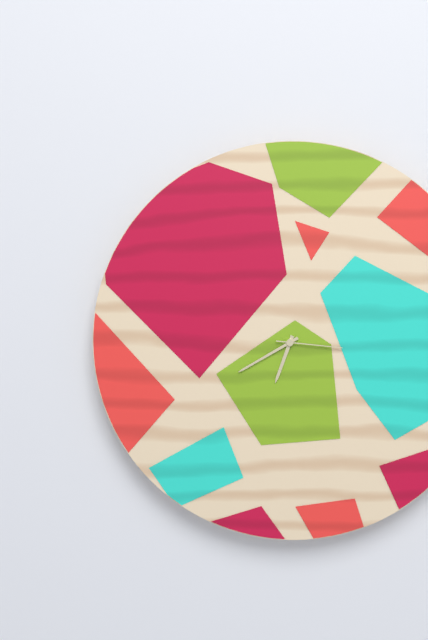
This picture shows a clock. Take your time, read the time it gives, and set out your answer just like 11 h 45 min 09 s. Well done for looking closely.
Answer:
6 h 40 min 16 s
